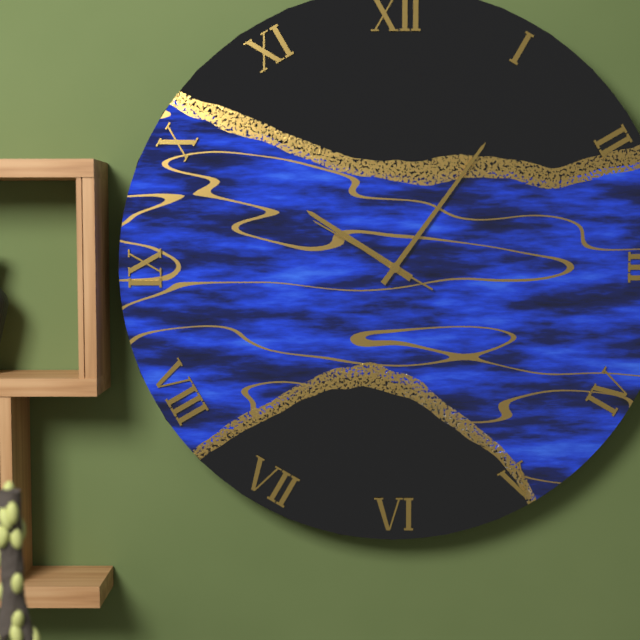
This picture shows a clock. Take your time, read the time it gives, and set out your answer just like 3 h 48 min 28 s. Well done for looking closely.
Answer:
10 h 06 min 50 s
